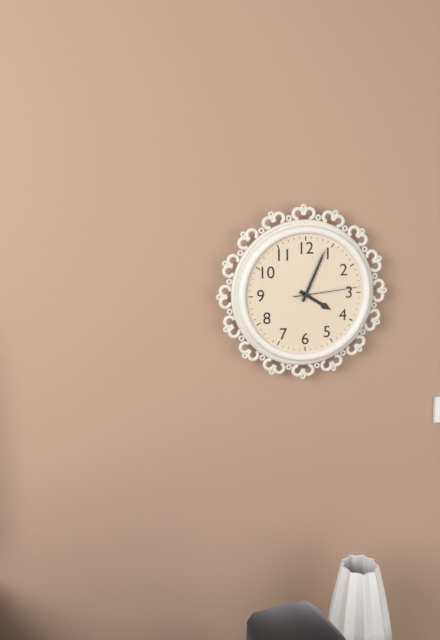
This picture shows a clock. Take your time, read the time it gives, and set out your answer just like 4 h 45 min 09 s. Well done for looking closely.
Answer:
4 h 04 min 14 s
